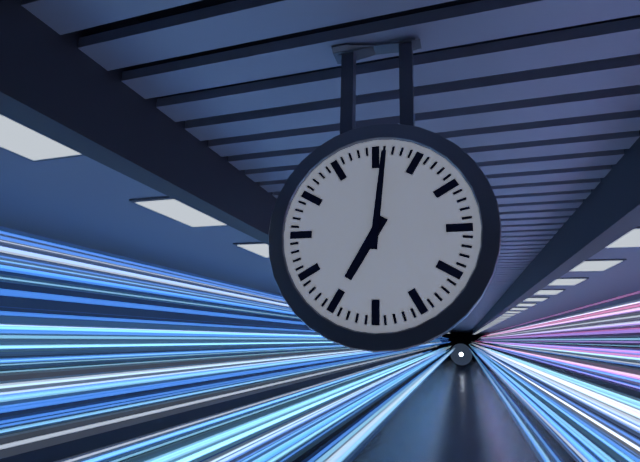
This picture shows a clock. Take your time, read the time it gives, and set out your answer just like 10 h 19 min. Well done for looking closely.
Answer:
7 h 01 min
